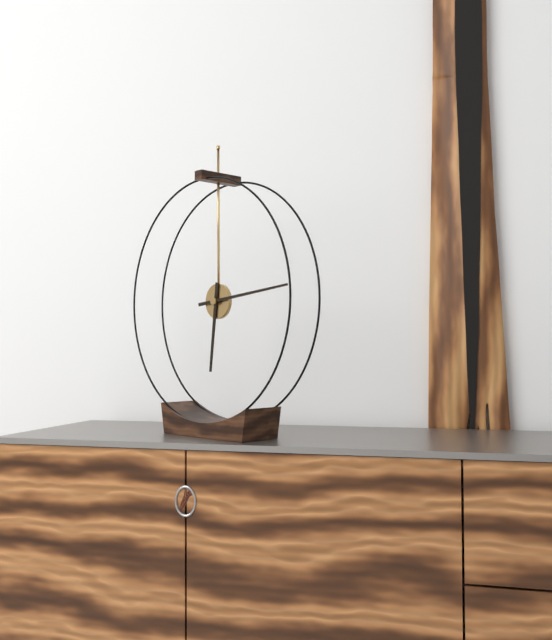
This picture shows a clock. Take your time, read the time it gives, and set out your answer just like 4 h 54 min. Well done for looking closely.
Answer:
6 h 14 min
